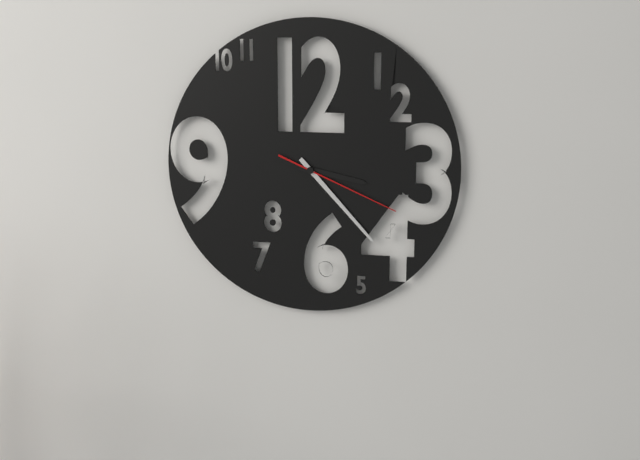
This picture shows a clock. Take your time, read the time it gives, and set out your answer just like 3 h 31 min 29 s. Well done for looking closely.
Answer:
3 h 23 min 19 s
